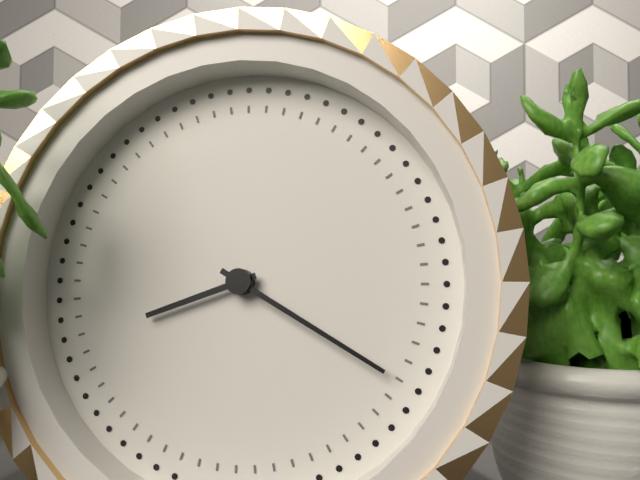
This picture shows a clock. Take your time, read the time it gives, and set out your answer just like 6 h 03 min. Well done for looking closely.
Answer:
8 h 20 min
